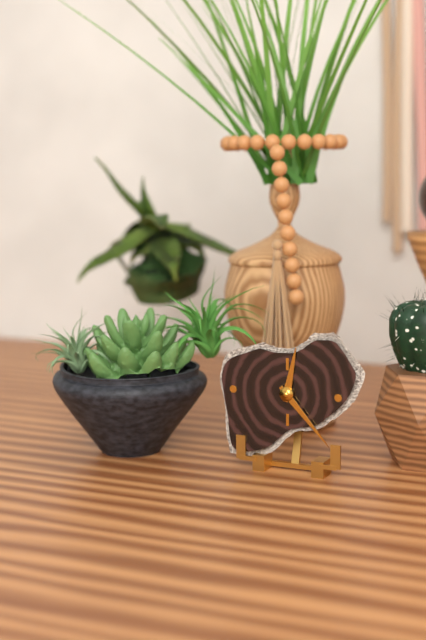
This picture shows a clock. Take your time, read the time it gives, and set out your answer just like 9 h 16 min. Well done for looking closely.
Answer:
12 h 23 min
